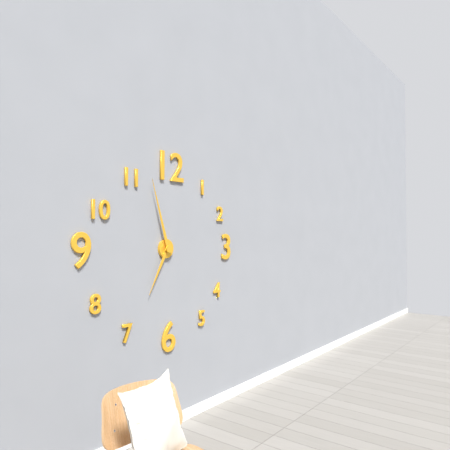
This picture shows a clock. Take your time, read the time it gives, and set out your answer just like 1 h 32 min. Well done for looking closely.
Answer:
6 h 57 min
